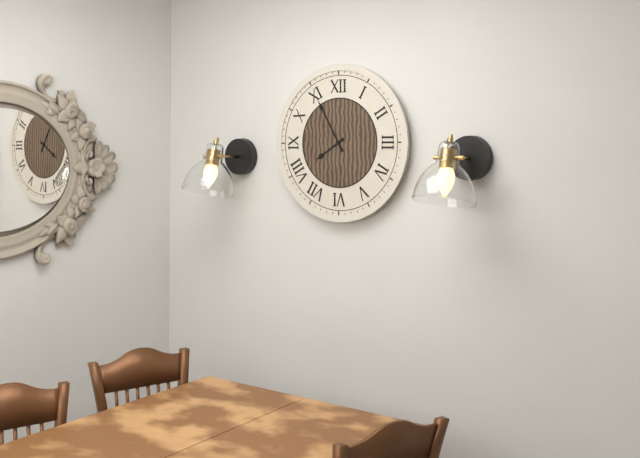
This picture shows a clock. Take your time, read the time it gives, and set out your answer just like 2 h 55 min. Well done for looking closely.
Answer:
7 h 55 min
